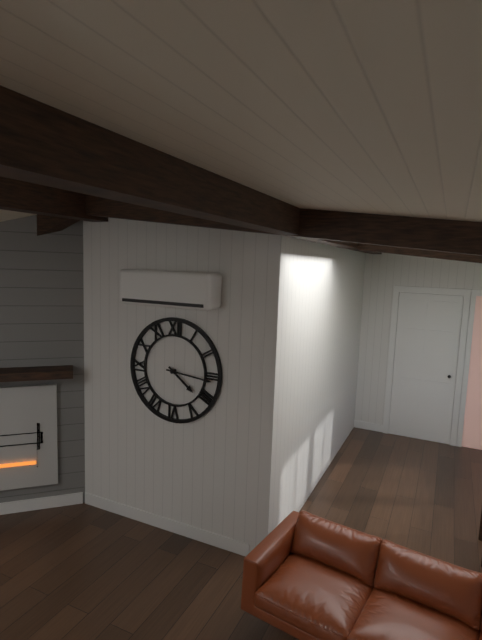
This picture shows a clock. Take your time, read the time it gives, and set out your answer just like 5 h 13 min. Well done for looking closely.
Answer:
4 h 16 min
